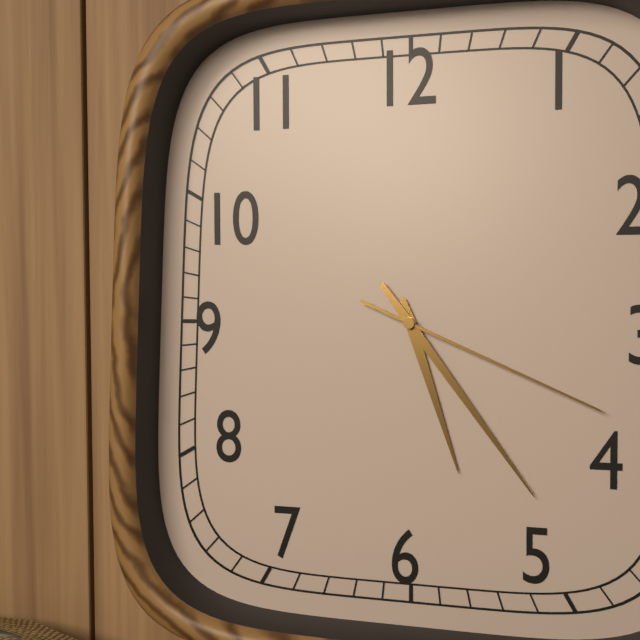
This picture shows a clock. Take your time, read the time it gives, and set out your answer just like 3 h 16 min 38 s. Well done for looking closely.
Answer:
5 h 24 min 19 s
